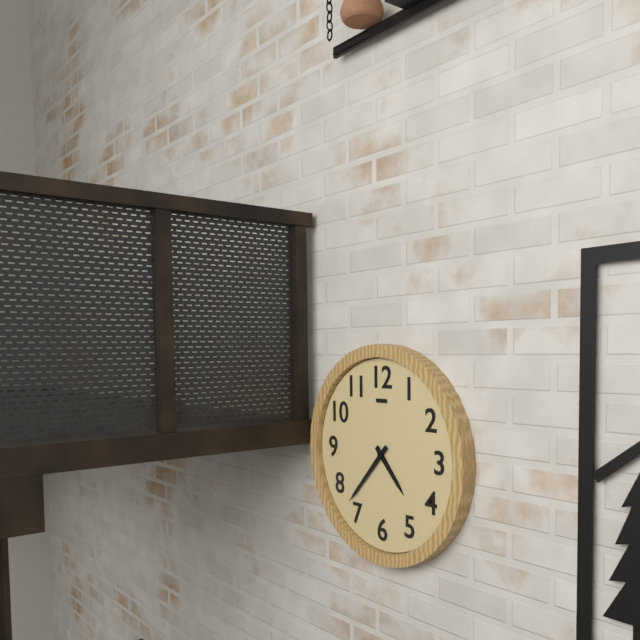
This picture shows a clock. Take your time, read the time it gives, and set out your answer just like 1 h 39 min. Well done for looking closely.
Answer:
4 h 37 min
